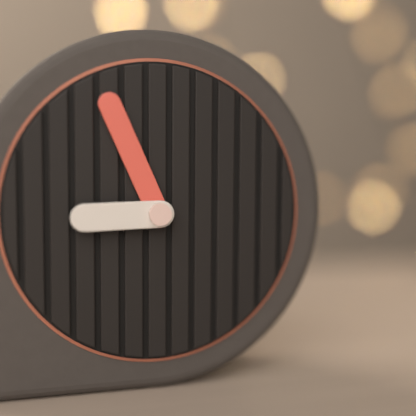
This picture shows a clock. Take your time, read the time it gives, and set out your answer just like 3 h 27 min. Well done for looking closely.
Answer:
8 h 56 min
